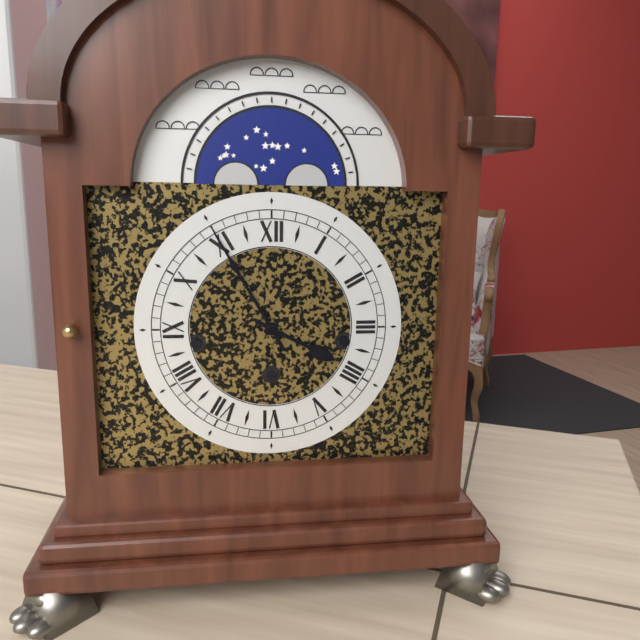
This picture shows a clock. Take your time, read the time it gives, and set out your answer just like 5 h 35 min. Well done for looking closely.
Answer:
3 h 55 min
